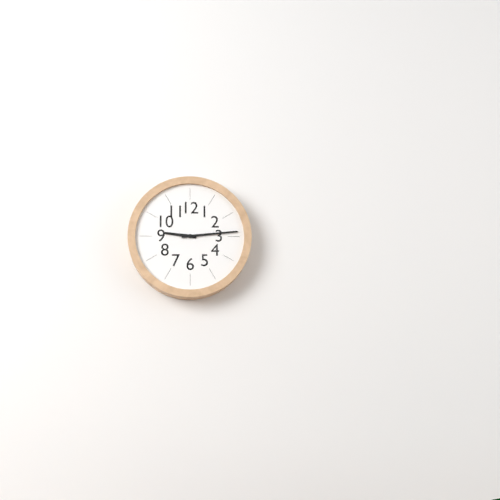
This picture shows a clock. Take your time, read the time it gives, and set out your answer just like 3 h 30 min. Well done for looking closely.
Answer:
9 h 14 min
